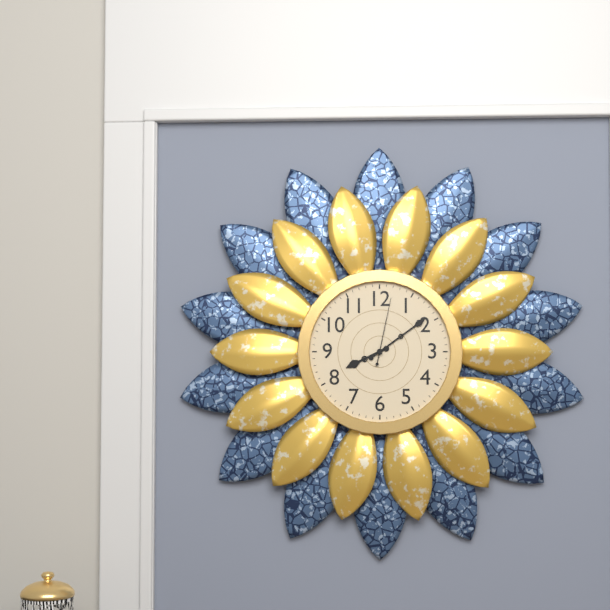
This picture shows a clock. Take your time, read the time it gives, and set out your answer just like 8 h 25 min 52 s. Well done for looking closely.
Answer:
8 h 09 min 02 s
